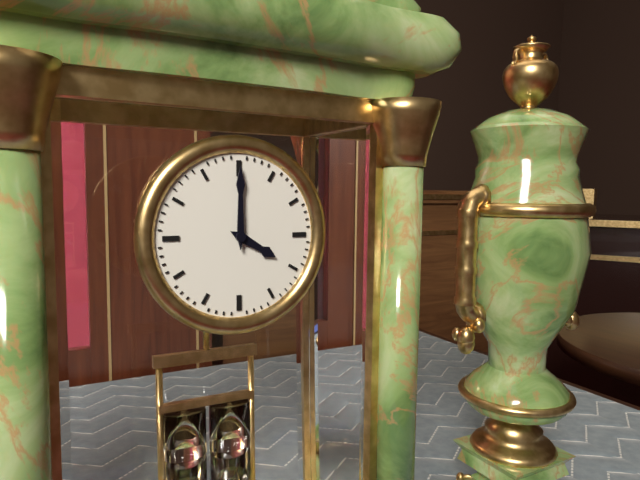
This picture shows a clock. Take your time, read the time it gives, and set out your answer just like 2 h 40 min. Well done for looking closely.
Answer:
4 h 00 min
